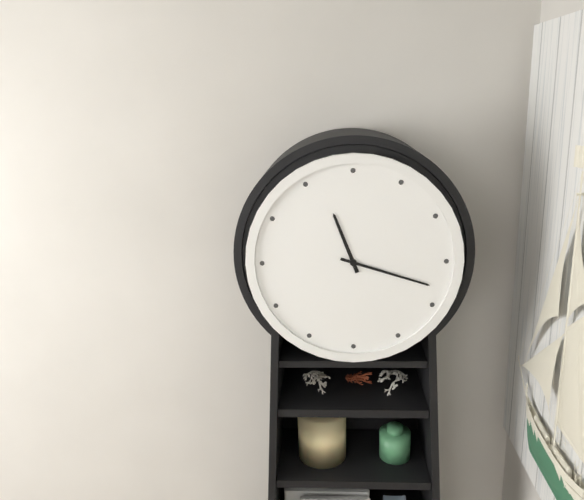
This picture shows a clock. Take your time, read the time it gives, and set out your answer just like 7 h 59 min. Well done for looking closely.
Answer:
11 h 18 min
